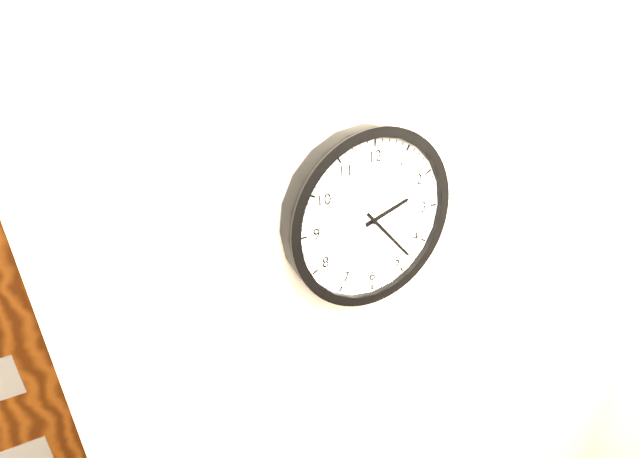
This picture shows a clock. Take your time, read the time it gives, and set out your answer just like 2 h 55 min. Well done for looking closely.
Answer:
2 h 23 min
